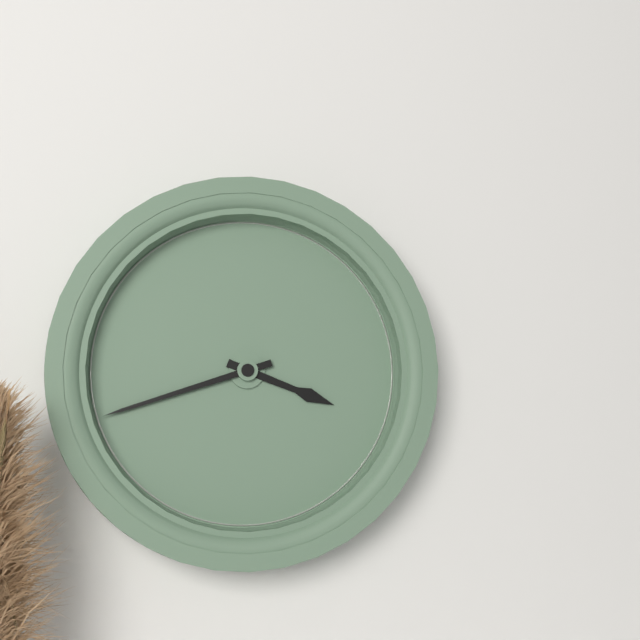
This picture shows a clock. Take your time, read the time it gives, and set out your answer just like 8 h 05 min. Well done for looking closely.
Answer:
3 h 42 min
